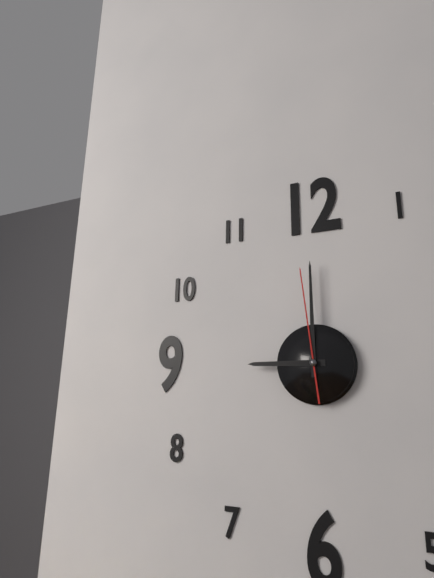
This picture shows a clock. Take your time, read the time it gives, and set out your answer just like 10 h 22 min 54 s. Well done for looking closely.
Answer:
9 h 00 min 59 s
